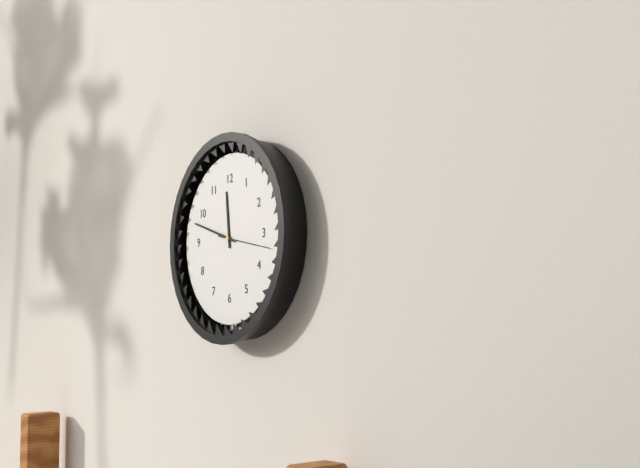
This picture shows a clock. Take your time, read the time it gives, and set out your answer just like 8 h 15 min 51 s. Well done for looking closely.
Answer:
11 h 48 min 17 s
